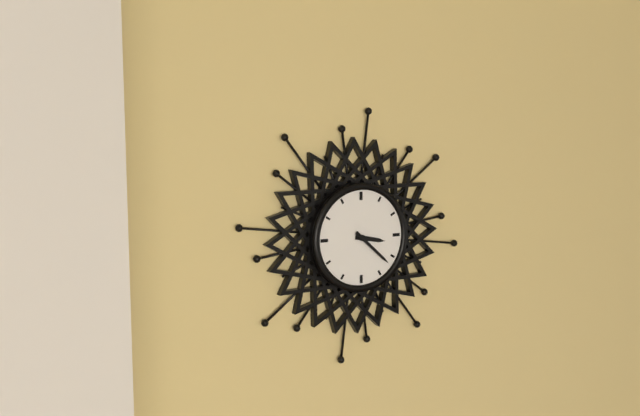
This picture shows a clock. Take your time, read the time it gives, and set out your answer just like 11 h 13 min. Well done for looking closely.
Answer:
3 h 22 min
